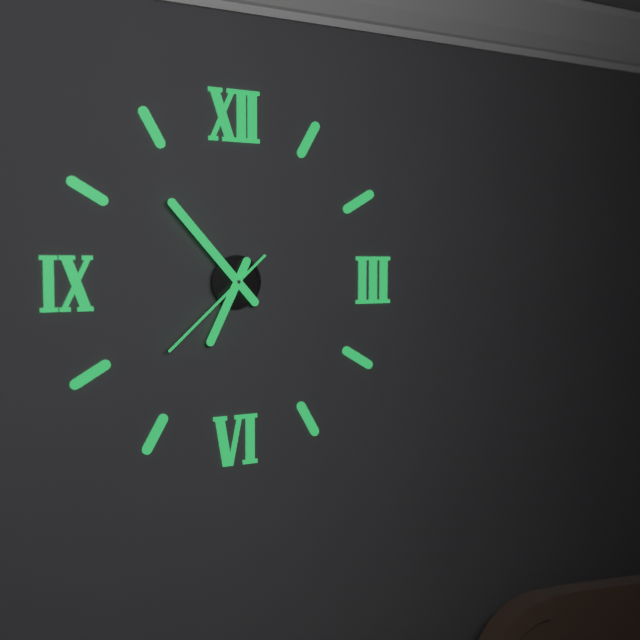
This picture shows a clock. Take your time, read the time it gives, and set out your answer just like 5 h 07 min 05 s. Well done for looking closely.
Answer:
6 h 53 min 38 s
